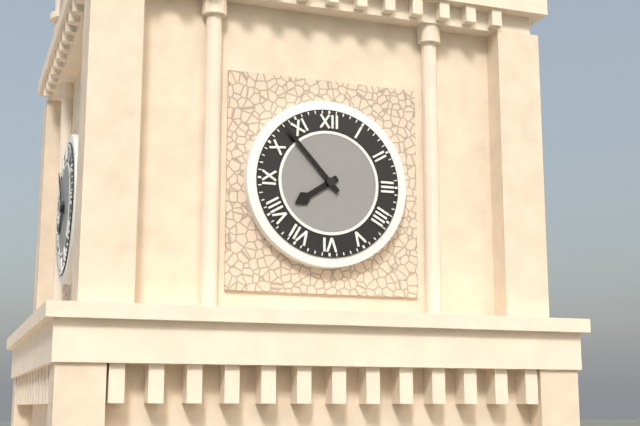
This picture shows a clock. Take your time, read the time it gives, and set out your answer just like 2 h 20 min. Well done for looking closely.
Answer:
7 h 53 min
